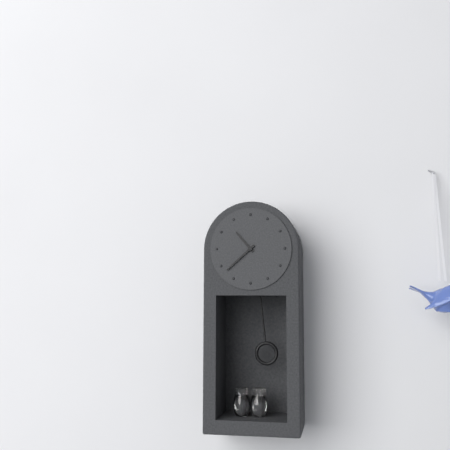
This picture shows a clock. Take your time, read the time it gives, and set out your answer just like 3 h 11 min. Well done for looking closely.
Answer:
10 h 38 min
